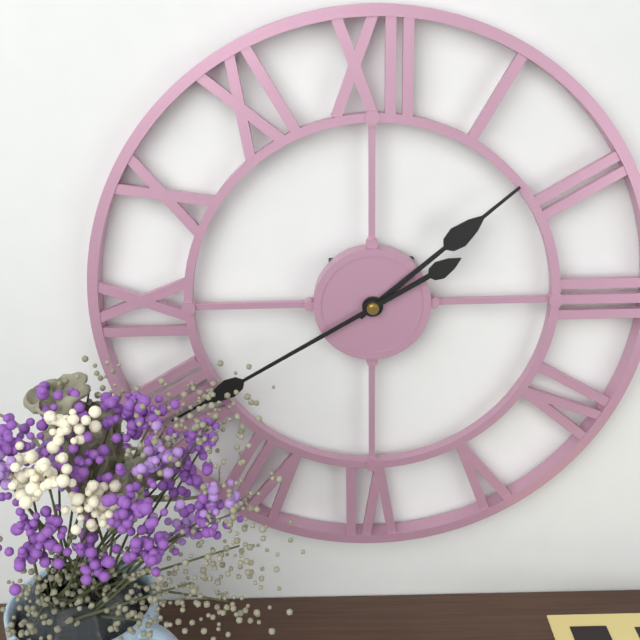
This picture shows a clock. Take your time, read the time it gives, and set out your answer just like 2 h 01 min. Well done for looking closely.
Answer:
1 h 40 min
